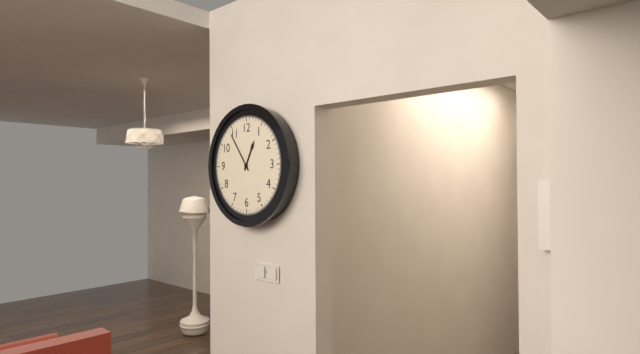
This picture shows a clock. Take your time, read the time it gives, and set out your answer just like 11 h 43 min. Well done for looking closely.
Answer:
12 h 54 min
